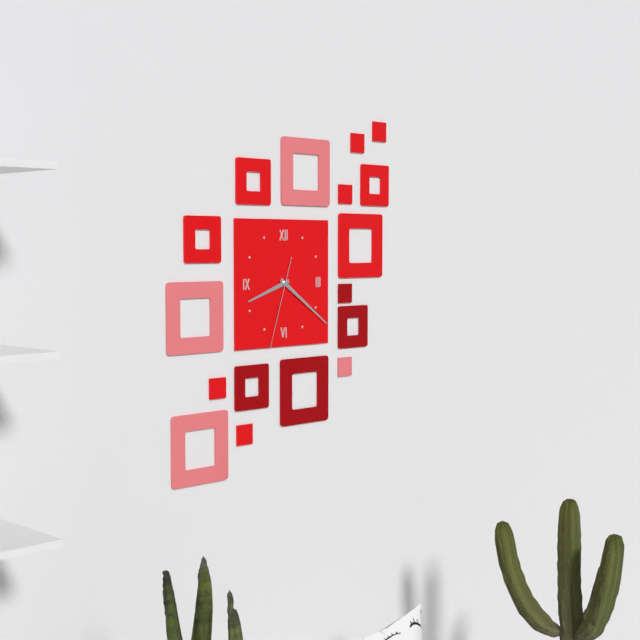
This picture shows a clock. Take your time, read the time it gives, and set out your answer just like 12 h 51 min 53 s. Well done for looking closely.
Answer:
8 h 21 min 33 s
